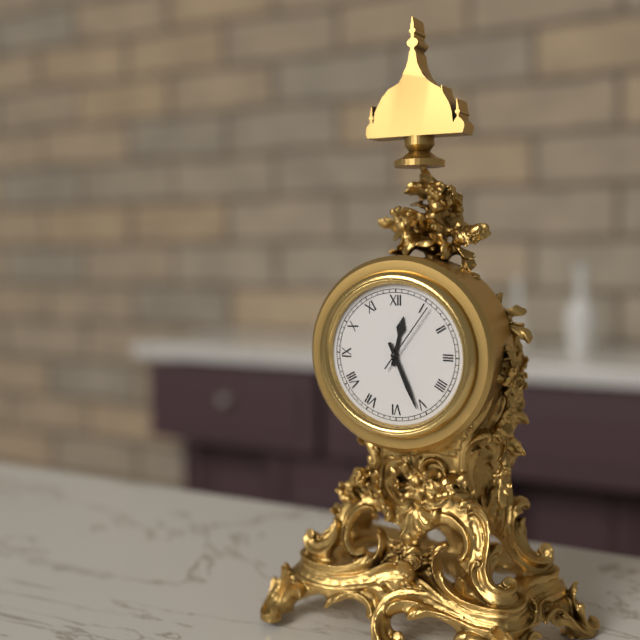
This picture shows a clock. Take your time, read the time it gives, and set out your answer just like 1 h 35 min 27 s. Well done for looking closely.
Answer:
12 h 26 min 06 s
